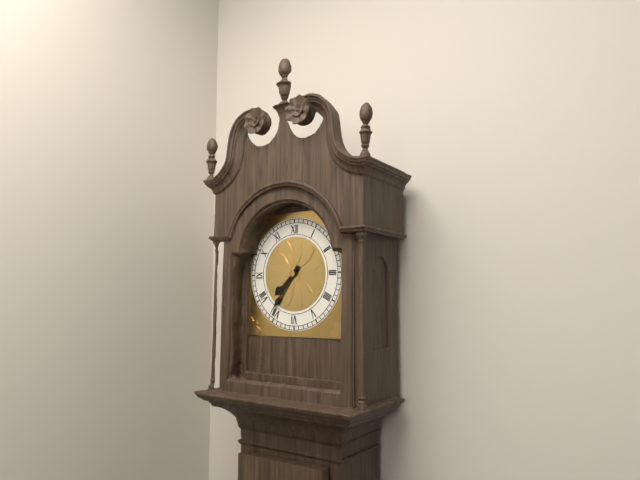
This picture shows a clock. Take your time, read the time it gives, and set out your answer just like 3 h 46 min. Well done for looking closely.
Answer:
7 h 36 min
